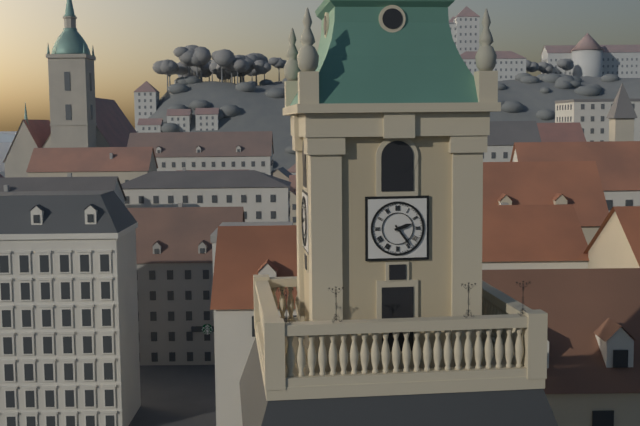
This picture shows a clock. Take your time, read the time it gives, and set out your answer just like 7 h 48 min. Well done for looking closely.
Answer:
2 h 24 min
